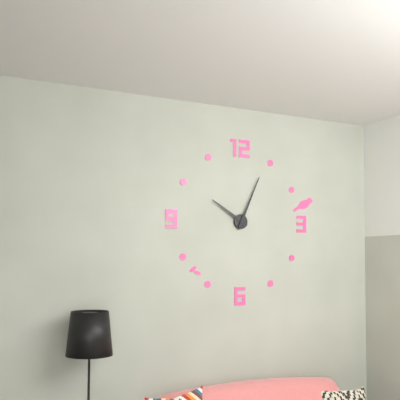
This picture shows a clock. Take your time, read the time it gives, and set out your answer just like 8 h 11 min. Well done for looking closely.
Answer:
10 h 04 min
